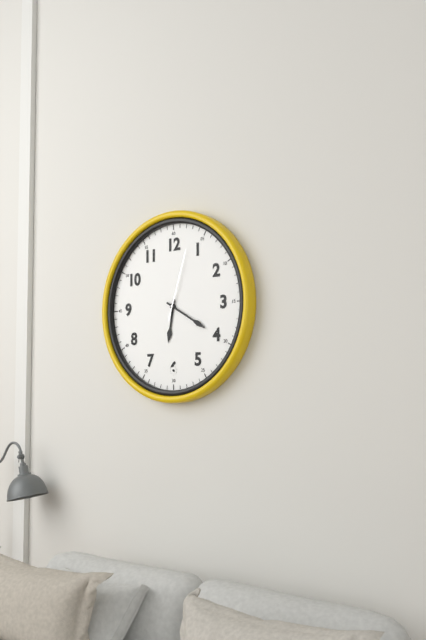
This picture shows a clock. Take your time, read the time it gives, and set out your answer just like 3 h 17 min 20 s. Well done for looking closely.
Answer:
6 h 20 min 03 s
